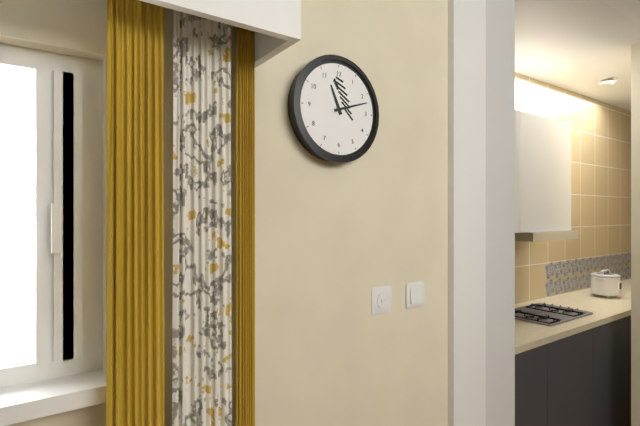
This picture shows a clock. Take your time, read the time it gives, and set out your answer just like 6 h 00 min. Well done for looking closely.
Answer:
11 h 12 min
